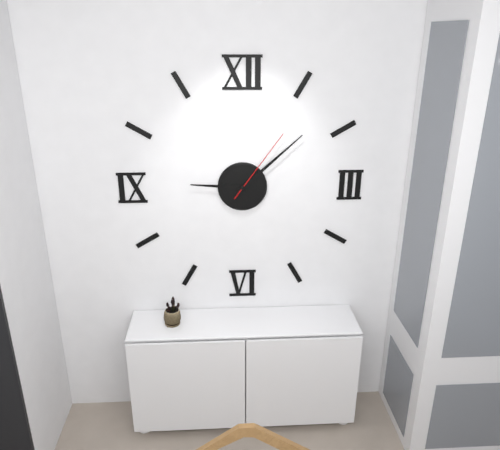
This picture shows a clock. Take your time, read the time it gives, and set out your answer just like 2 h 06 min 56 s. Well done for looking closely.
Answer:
9 h 08 min 06 s
